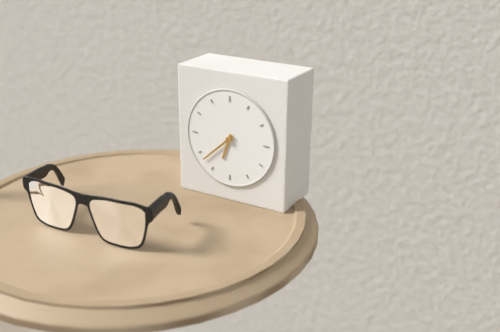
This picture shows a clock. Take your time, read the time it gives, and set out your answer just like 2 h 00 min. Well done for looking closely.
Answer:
6 h 38 min
